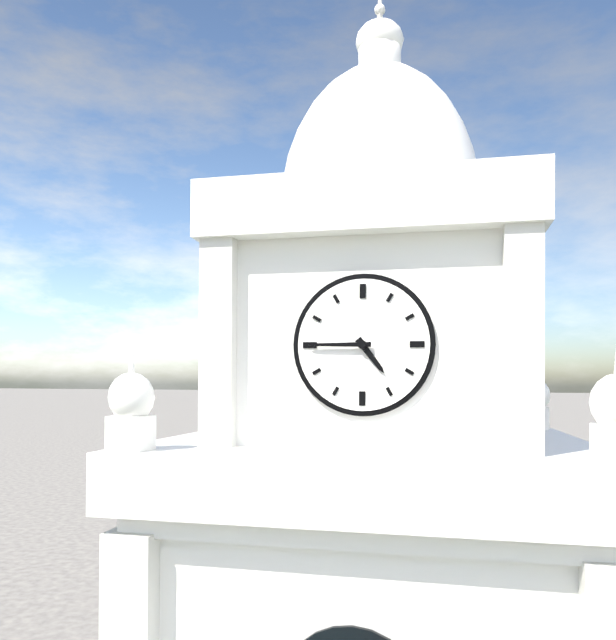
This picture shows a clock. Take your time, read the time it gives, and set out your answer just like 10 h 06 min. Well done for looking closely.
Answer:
4 h 45 min
